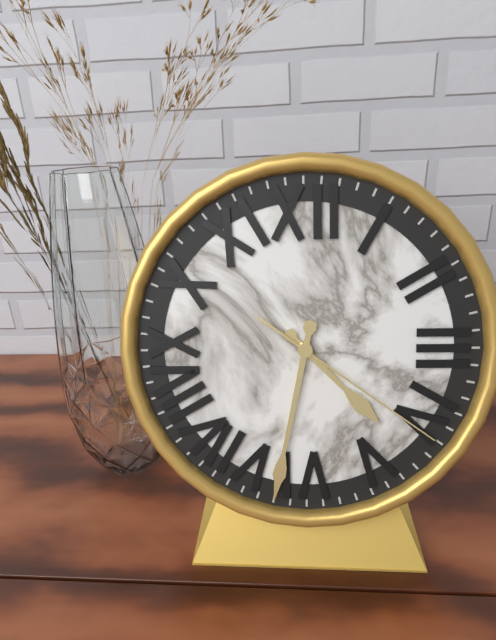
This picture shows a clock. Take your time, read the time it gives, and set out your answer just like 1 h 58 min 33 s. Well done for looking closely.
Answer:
4 h 32 min 21 s
